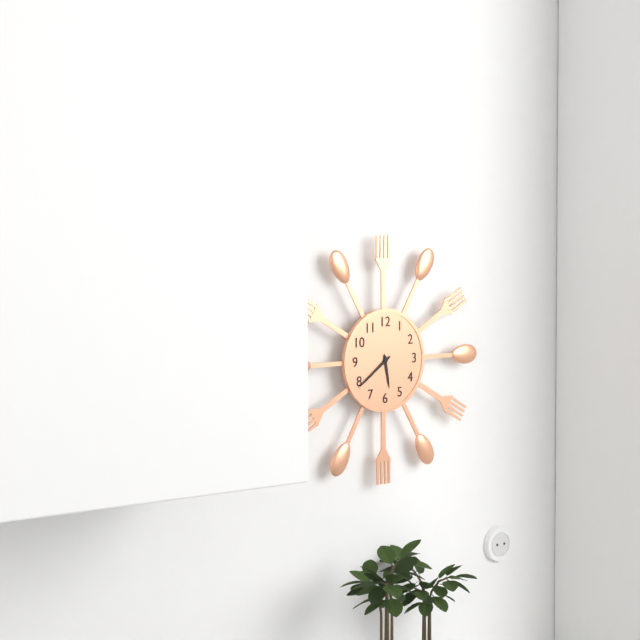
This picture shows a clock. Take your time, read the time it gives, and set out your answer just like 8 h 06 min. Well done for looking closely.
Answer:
5 h 39 min
